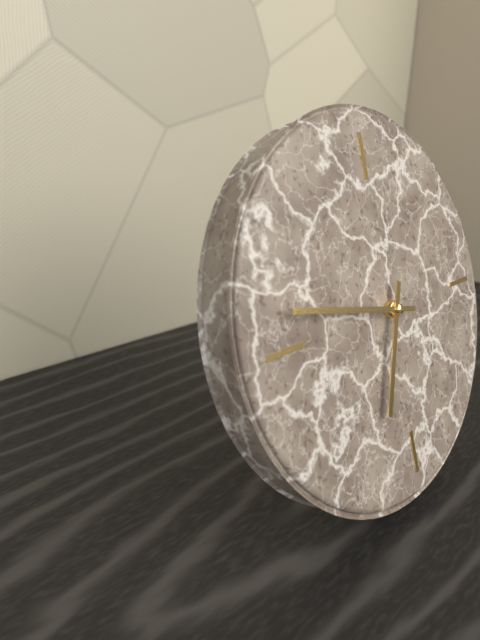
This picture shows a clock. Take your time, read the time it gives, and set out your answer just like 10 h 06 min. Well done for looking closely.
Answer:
6 h 47 min
